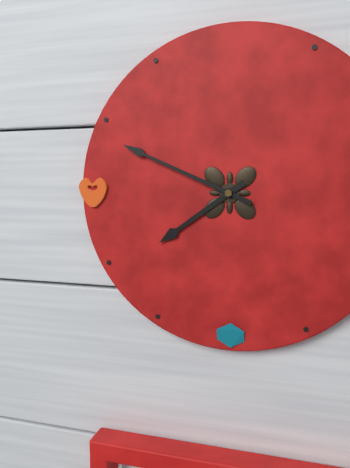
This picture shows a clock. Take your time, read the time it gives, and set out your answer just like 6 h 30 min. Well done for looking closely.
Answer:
7 h 49 min
